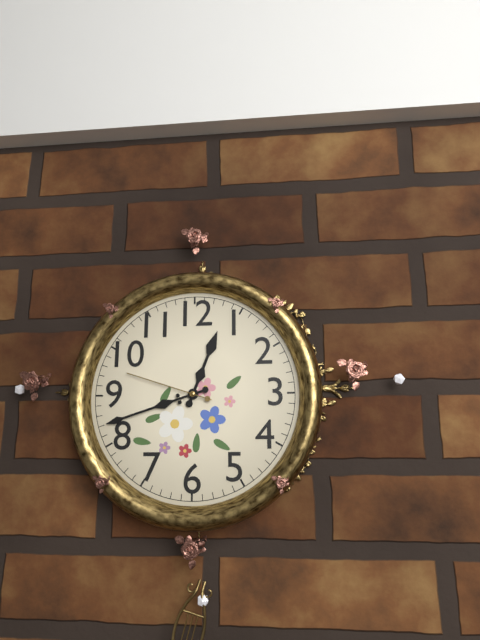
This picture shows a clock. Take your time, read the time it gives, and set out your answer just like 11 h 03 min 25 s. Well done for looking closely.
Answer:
12 h 42 min 48 s
